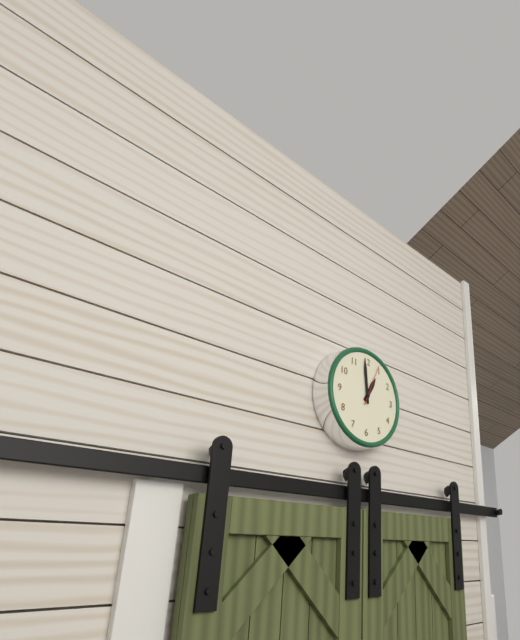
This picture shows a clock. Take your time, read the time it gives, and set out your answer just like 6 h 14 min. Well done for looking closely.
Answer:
12 h 59 min
